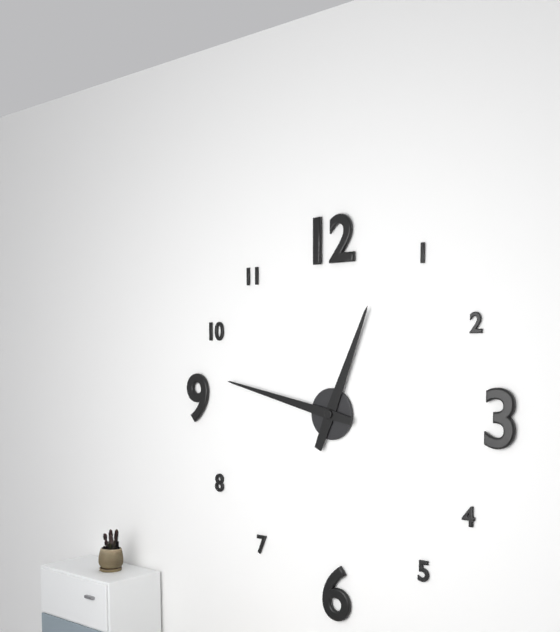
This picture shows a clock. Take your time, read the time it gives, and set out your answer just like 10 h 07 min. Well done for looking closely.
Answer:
12 h 47 min
